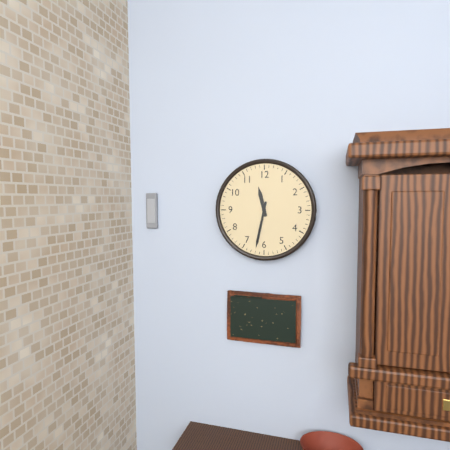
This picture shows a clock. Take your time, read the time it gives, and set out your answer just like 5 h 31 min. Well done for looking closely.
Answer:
11 h 32 min
